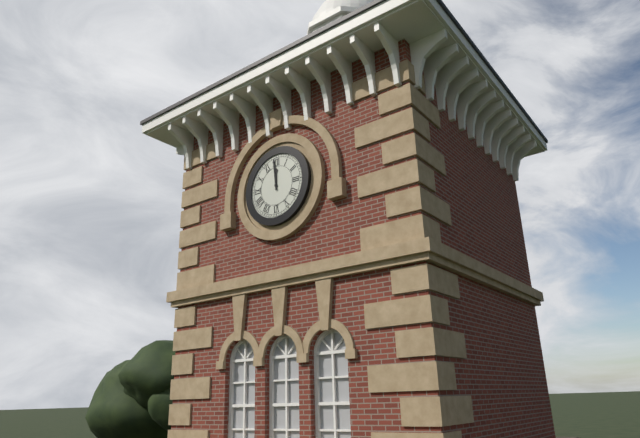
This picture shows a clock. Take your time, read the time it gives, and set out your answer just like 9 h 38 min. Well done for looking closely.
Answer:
11 h 59 min
